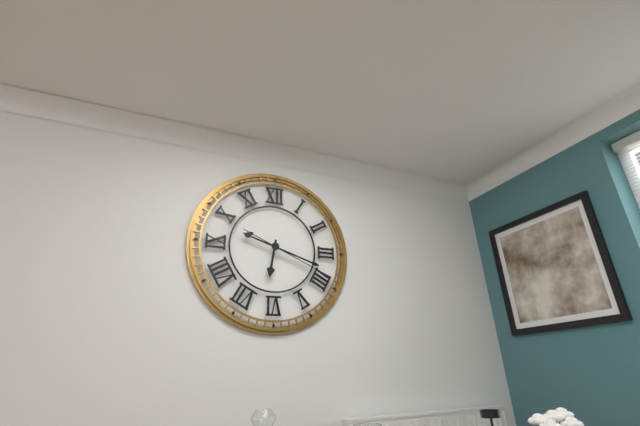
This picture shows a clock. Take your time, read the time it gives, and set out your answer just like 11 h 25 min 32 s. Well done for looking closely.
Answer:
6 h 18 min 19 s
